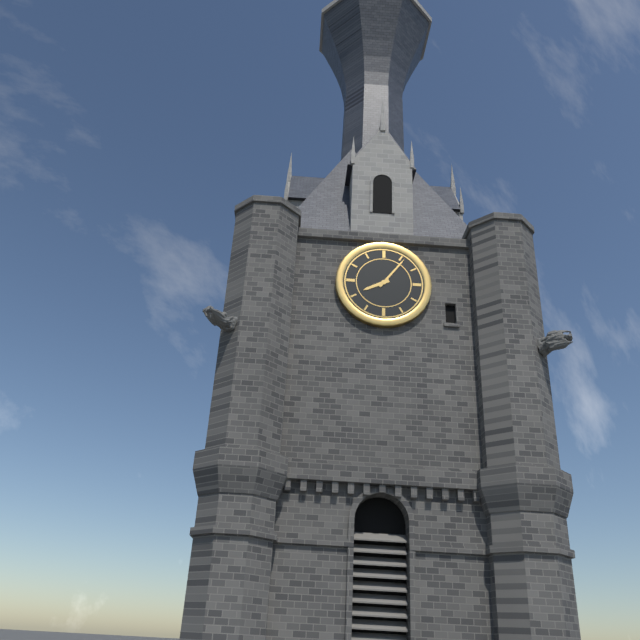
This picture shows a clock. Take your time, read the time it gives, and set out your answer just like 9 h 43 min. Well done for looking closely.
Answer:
8 h 06 min
